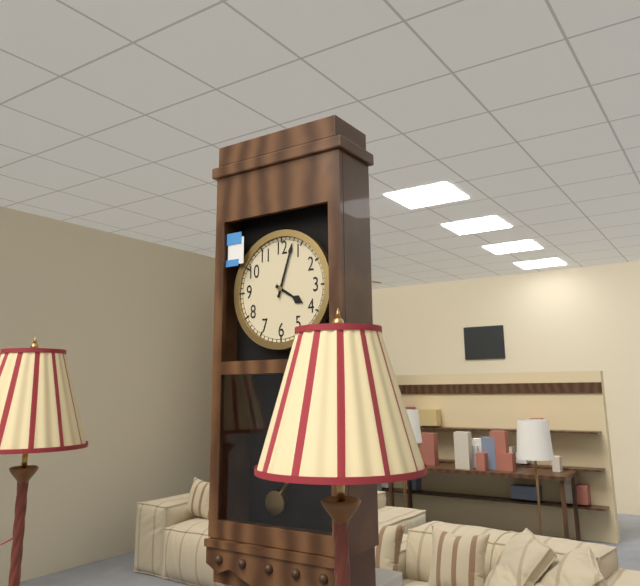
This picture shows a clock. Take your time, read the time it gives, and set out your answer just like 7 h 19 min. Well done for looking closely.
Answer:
4 h 03 min
